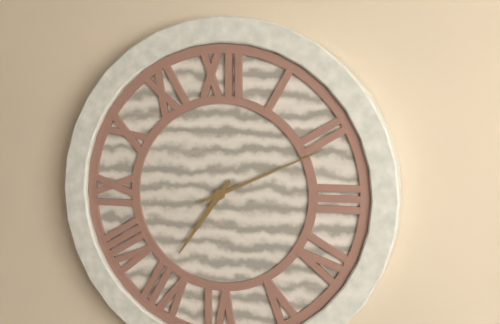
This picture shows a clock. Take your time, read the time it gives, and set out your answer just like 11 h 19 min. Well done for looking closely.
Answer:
7 h 11 min
